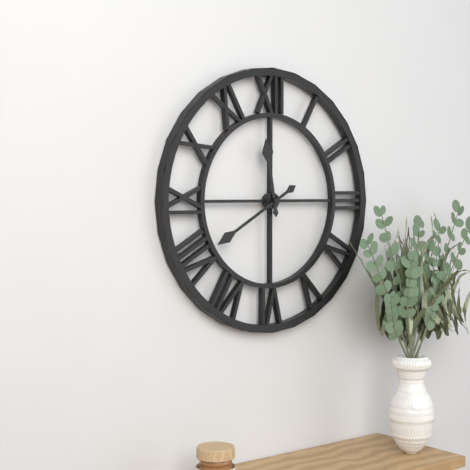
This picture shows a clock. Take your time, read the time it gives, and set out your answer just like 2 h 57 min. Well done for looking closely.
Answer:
11 h 40 min
